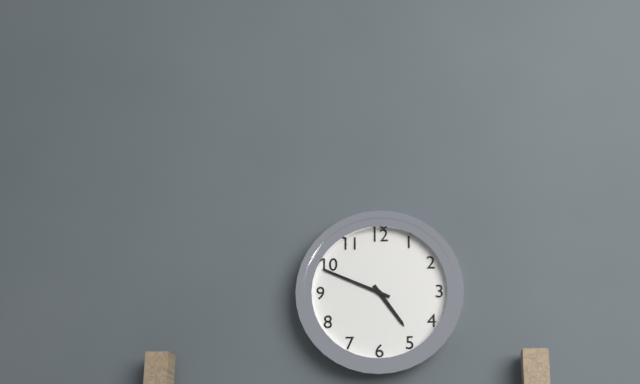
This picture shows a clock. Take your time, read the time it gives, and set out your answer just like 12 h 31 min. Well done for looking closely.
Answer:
4 h 49 min
